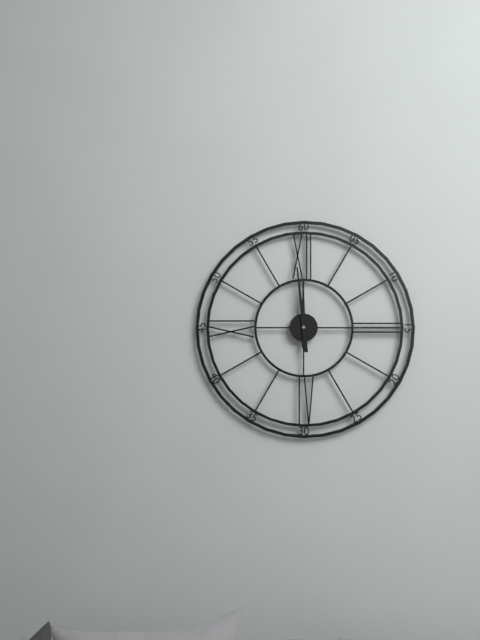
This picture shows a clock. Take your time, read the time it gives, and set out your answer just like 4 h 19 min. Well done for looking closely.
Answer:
11 h 59 min
